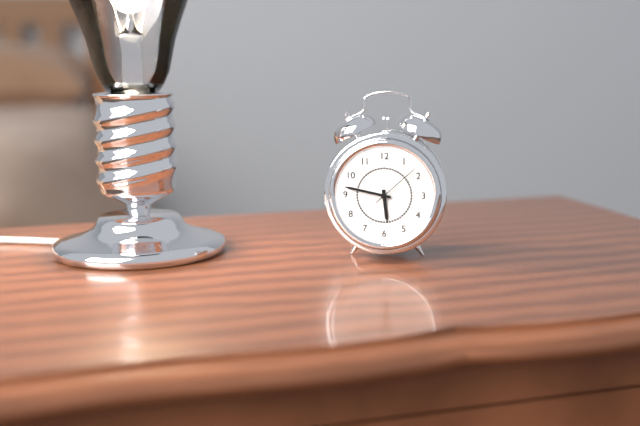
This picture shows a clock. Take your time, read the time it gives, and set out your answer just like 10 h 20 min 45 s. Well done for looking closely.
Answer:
5 h 47 min 08 s
